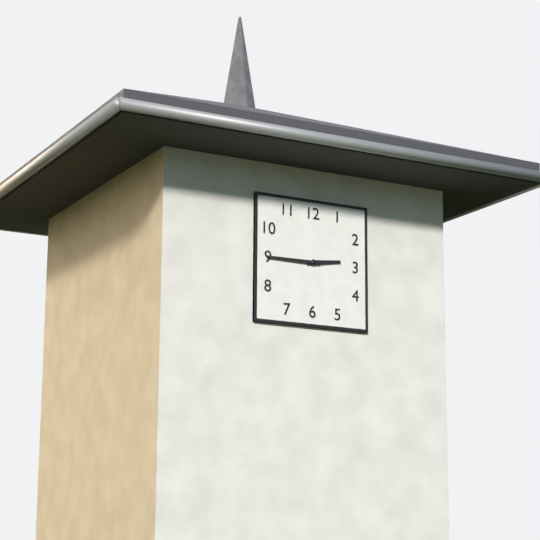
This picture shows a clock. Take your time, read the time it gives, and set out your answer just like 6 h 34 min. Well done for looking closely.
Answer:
2 h 45 min
